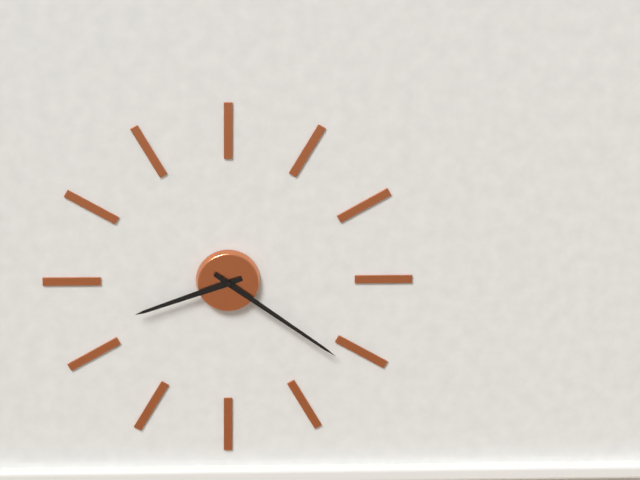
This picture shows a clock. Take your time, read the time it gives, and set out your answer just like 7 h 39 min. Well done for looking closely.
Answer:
8 h 21 min
